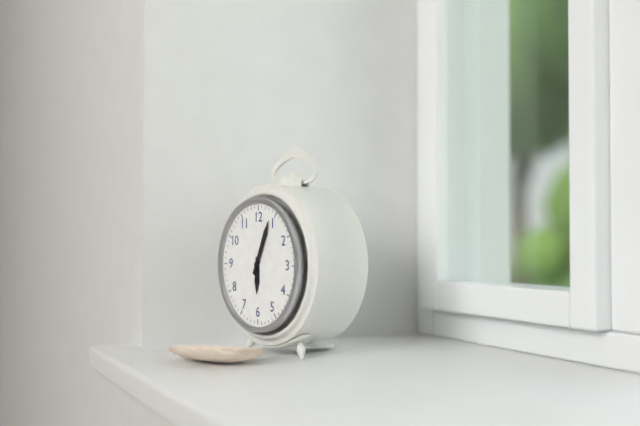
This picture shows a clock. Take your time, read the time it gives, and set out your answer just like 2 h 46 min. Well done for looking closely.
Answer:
6 h 04 min
